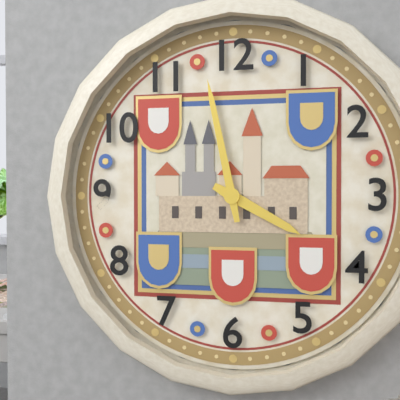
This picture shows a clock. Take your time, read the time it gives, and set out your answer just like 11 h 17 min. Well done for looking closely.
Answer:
3 h 58 min
